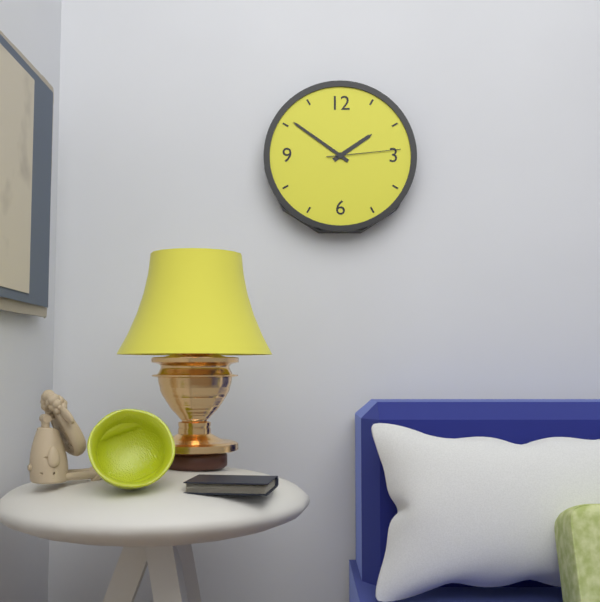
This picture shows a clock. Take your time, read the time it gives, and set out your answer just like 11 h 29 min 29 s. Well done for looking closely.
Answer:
1 h 51 min 14 s
